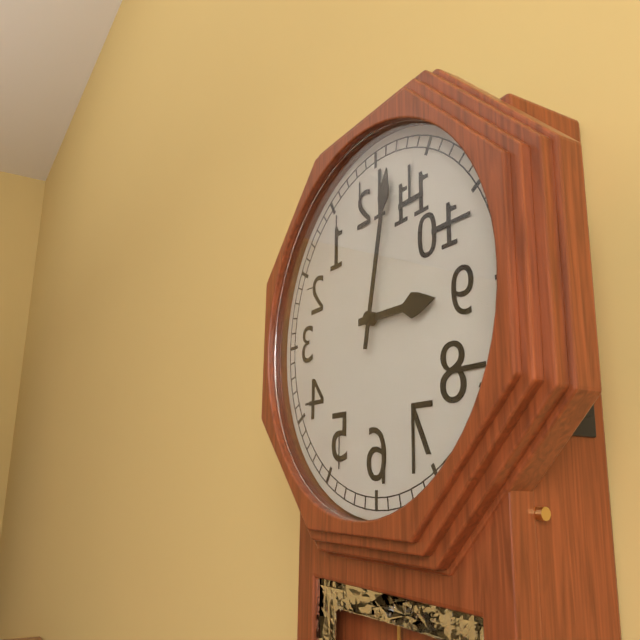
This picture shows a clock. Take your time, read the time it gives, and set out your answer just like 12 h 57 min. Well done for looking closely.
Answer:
3 h 02 min
